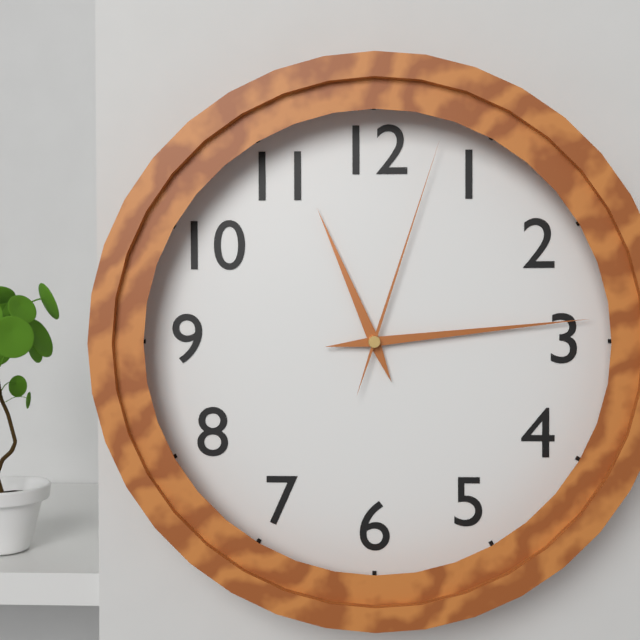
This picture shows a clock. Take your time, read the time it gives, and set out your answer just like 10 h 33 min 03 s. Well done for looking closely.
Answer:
11 h 14 min 03 s
